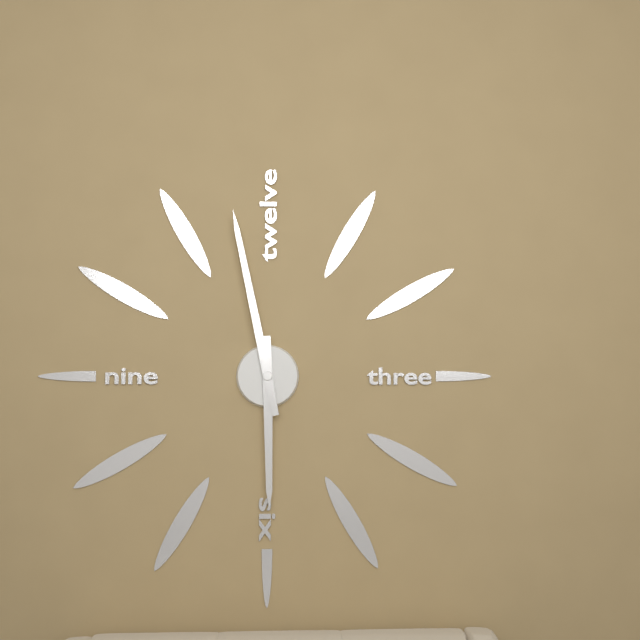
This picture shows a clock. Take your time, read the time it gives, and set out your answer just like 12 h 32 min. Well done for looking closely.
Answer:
5 h 58 min
